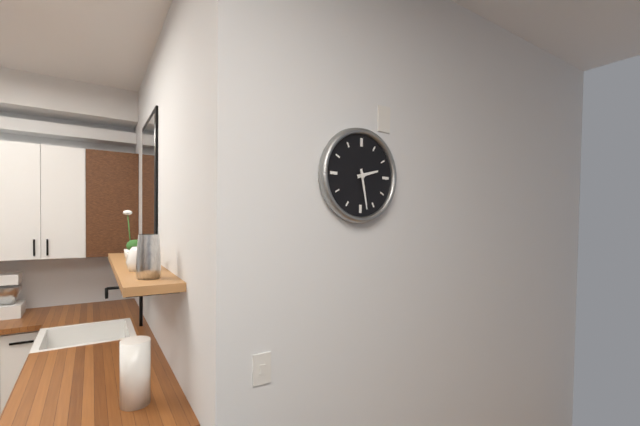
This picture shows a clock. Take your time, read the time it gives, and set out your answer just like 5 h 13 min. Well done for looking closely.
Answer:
2 h 28 min
